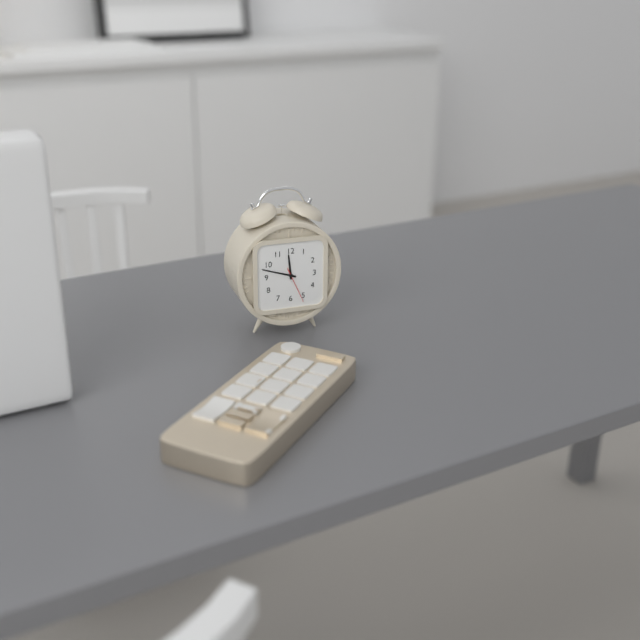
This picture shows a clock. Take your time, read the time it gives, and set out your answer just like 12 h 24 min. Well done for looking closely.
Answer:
11 h 48 min
